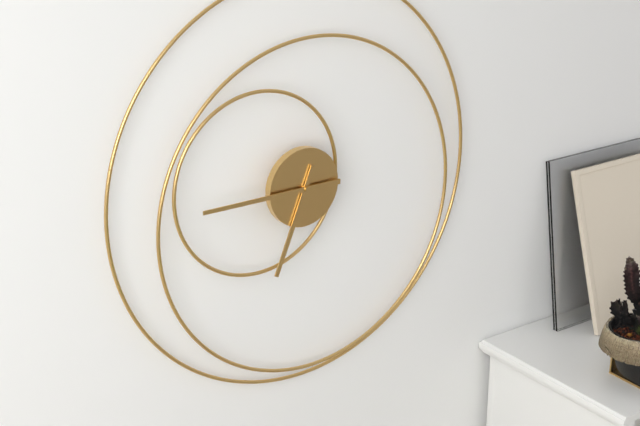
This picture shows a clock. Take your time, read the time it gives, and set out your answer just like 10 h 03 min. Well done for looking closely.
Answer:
6 h 45 min
